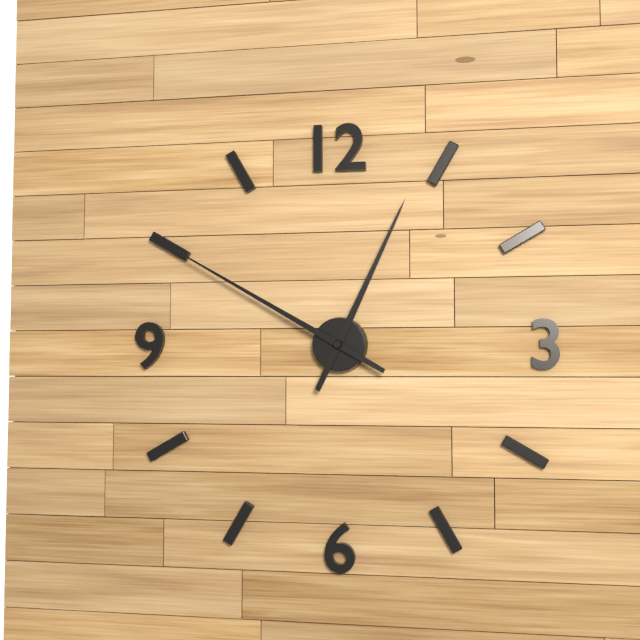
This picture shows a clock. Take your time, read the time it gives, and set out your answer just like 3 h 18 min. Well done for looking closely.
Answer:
12 h 50 min
